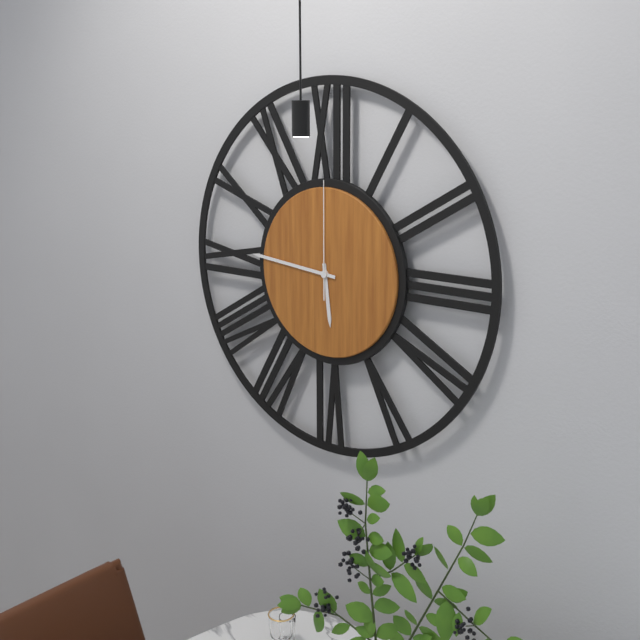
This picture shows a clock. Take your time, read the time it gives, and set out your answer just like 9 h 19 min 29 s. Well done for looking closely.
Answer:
5 h 46 min 00 s
